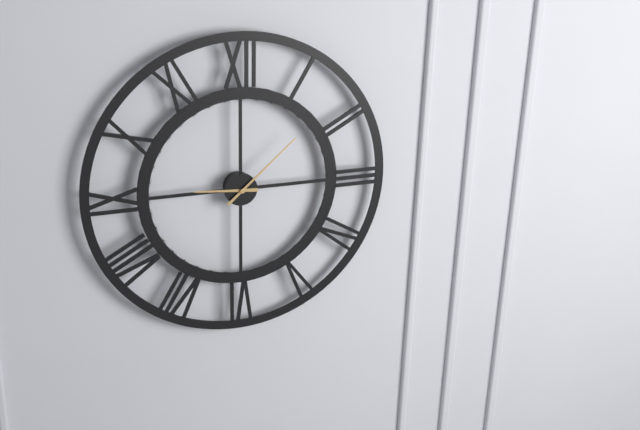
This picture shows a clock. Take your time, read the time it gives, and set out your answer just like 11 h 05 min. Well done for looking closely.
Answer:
9 h 08 min
